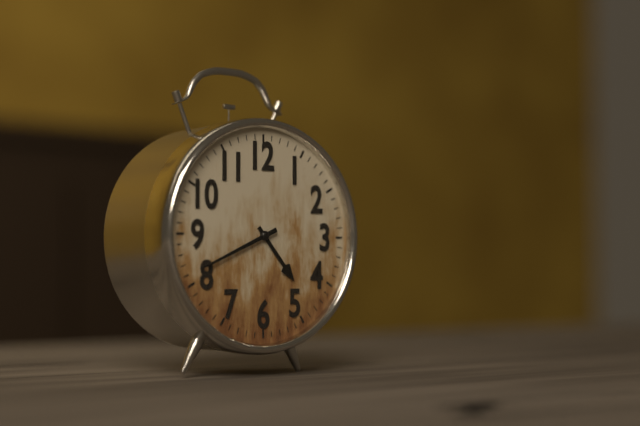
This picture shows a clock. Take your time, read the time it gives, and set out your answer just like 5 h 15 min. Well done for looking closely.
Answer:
4 h 41 min
